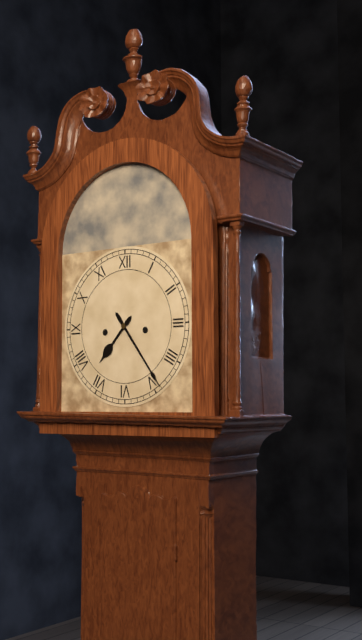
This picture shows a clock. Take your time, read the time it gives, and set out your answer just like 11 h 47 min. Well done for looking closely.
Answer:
7 h 24 min
